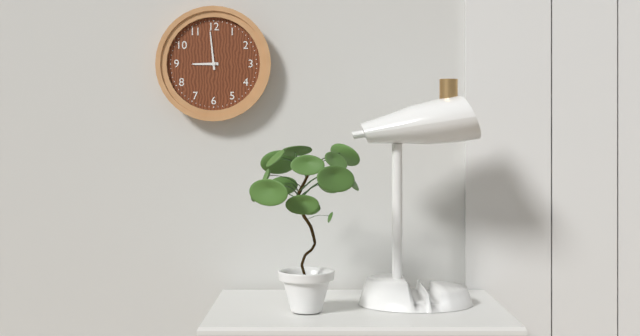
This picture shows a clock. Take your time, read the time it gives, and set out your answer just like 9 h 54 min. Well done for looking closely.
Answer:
8 h 59 min
